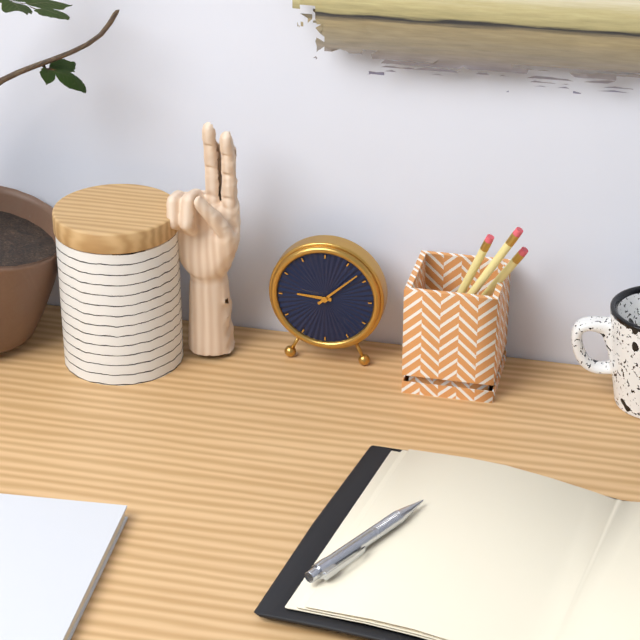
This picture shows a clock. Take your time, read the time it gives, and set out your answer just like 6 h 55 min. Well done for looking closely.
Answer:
9 h 08 min
